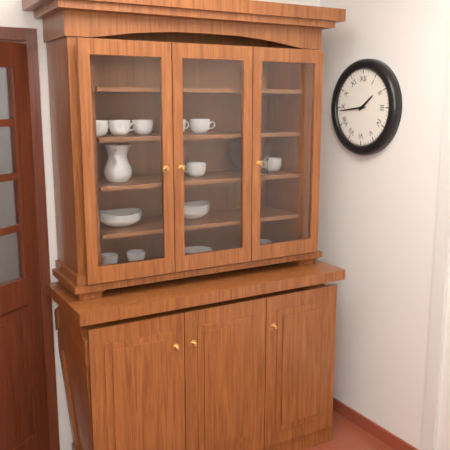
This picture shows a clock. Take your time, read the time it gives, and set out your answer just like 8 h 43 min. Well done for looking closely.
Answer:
1 h 44 min
